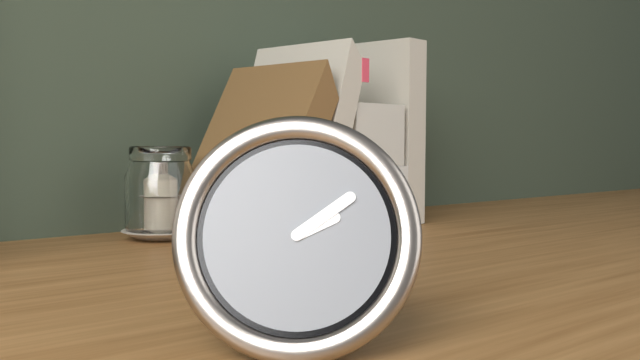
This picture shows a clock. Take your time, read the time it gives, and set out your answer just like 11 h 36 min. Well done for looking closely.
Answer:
2 h 09 min
